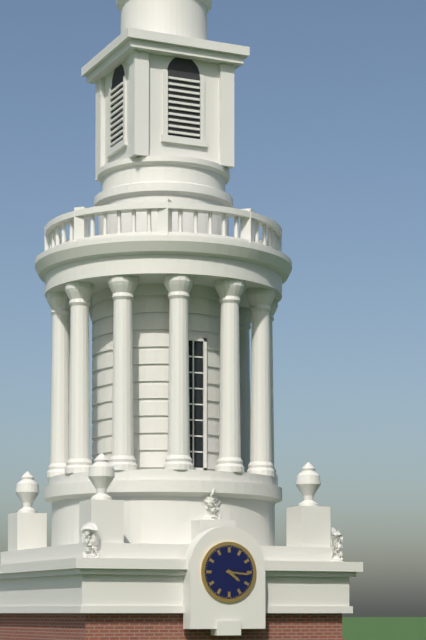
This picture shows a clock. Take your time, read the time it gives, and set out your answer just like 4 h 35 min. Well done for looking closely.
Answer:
4 h 16 min
